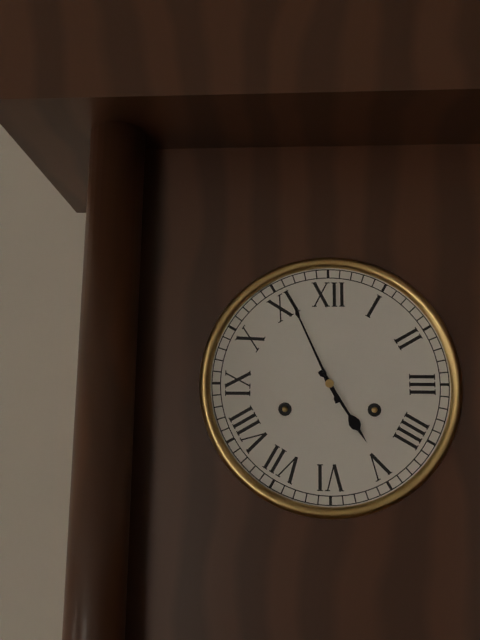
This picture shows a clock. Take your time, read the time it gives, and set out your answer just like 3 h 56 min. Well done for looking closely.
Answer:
4 h 56 min
